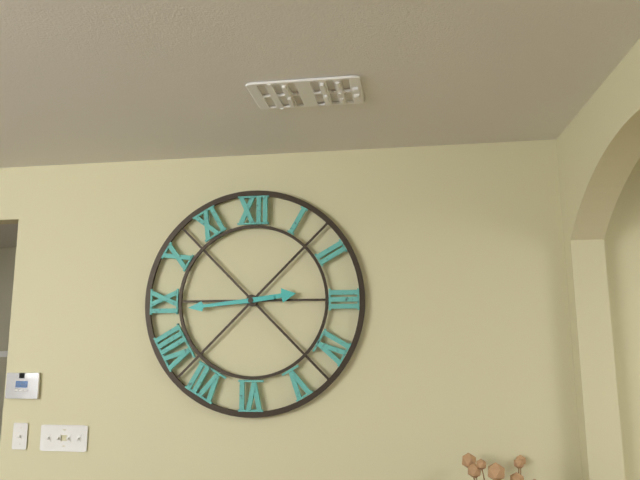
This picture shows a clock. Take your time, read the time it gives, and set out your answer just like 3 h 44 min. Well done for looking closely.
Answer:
2 h 44 min
